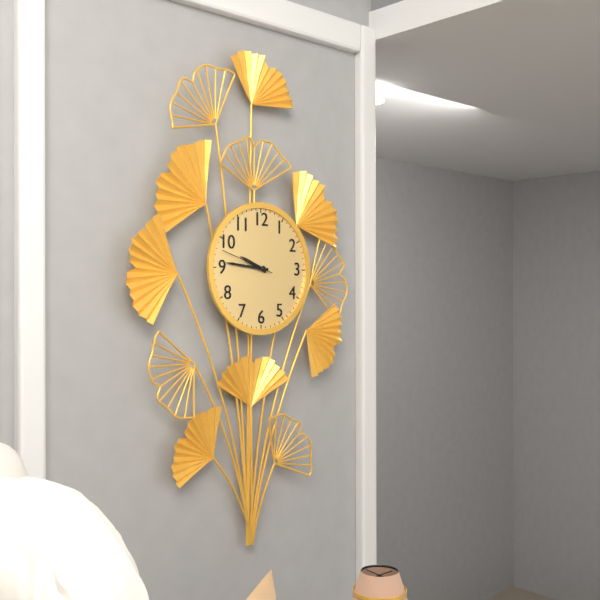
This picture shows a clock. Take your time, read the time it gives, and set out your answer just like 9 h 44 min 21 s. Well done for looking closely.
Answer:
9 h 46 min 48 s
